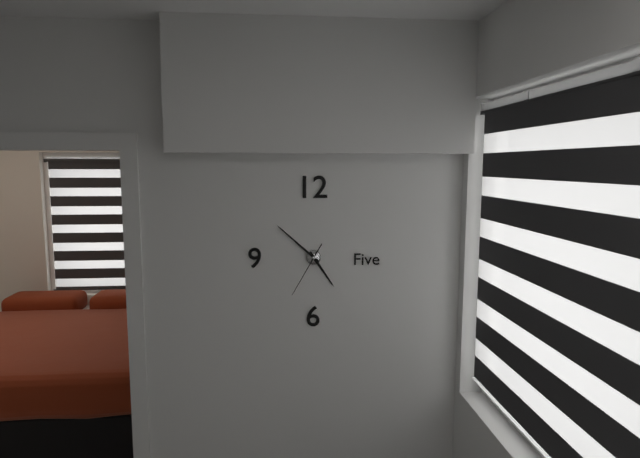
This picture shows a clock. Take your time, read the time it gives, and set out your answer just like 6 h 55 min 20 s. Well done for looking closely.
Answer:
4 h 52 min 35 s
